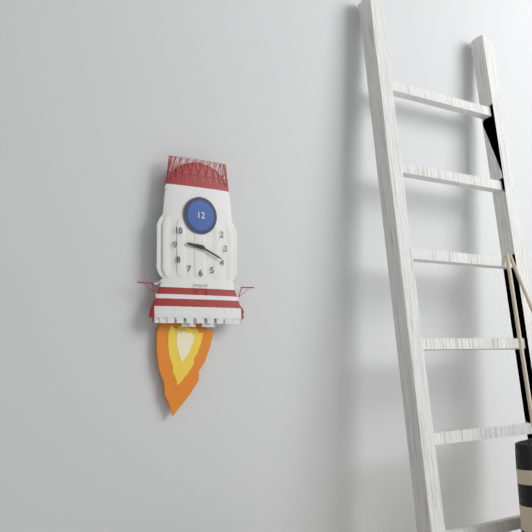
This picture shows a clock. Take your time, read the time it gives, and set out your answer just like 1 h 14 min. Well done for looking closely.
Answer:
9 h 19 min
